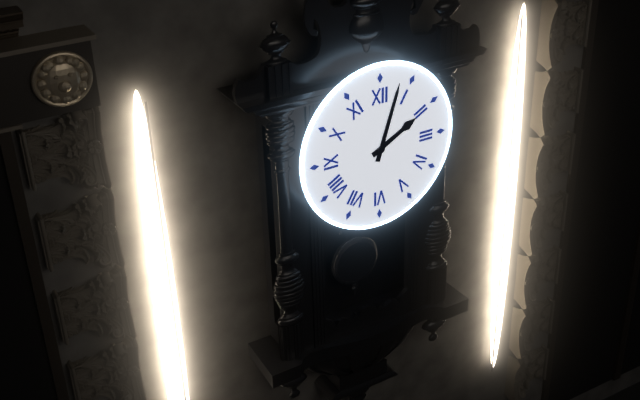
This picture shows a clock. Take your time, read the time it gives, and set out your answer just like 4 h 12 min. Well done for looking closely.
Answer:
2 h 03 min
